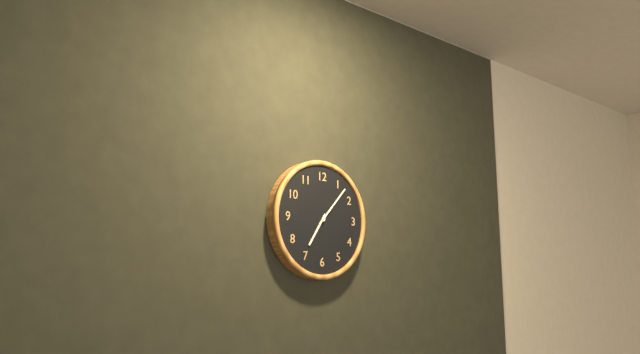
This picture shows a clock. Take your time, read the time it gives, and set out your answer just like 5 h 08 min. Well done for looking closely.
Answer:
7 h 07 min
